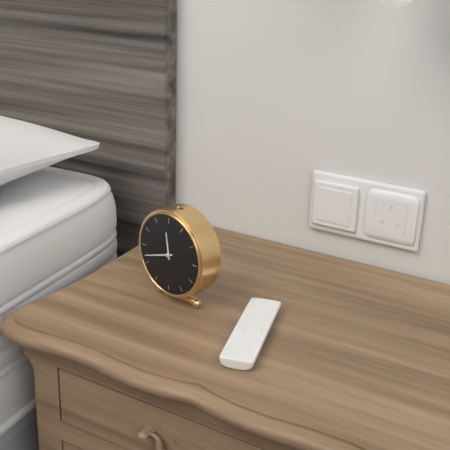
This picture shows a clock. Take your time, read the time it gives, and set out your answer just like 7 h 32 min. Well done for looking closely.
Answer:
11 h 42 min
